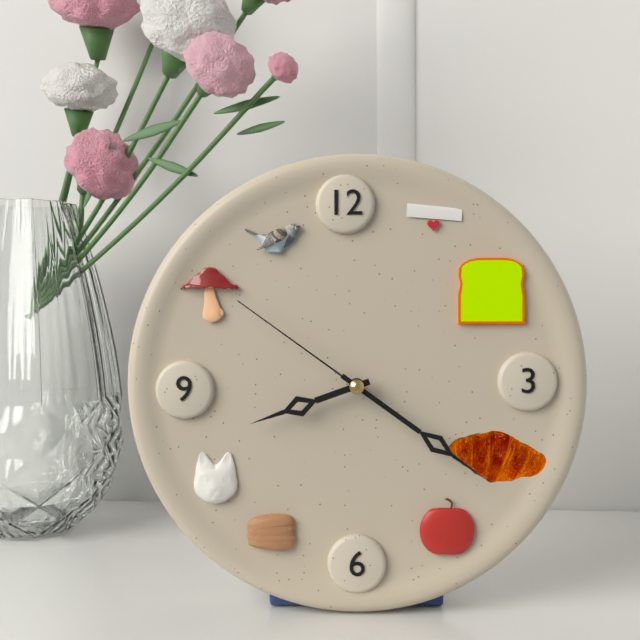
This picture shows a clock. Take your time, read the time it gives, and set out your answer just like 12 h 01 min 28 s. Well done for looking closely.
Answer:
8 h 21 min 51 s
